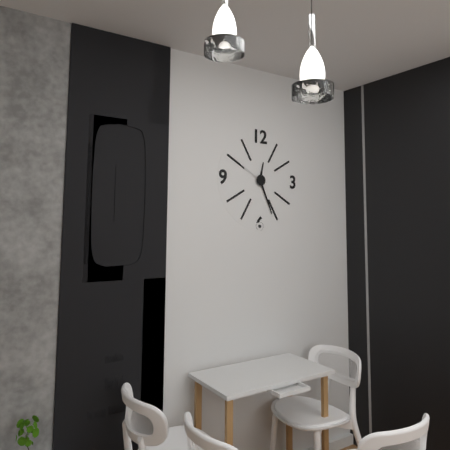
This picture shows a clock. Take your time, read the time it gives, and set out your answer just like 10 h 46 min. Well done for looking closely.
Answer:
12 h 26 min
